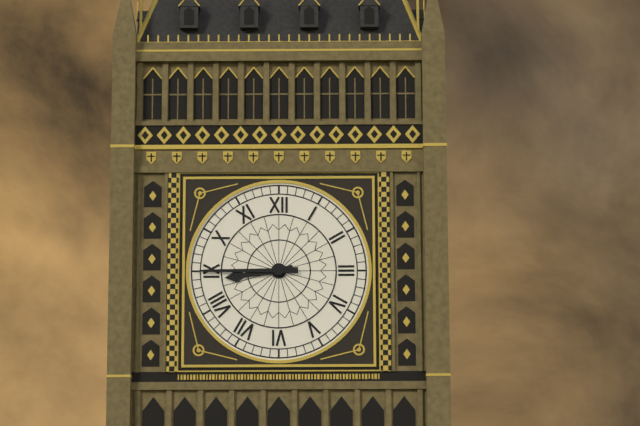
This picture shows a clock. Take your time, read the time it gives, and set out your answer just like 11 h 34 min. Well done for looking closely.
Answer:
8 h 45 min
